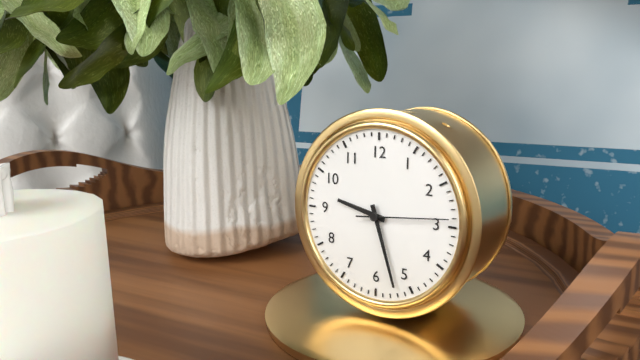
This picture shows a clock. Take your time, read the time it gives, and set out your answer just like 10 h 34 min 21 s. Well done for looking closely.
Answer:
9 h 27 min 14 s
